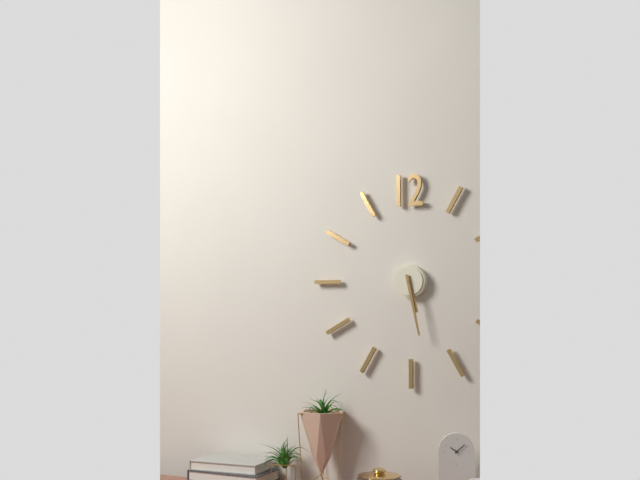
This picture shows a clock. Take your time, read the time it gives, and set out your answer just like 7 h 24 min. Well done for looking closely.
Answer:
5 h 28 min
